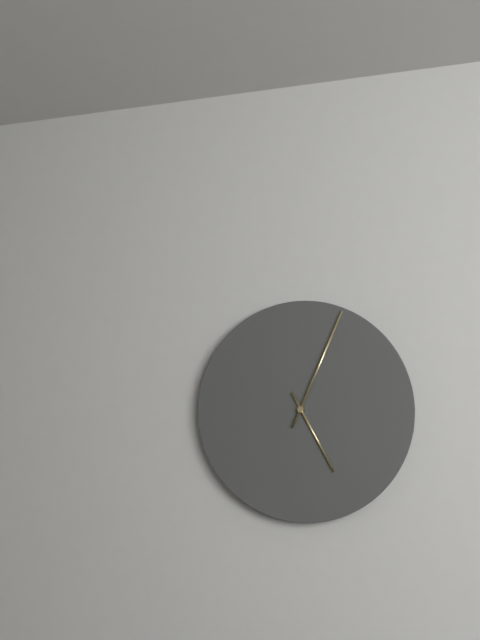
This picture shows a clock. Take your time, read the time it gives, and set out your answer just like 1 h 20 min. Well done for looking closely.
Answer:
5 h 04 min
